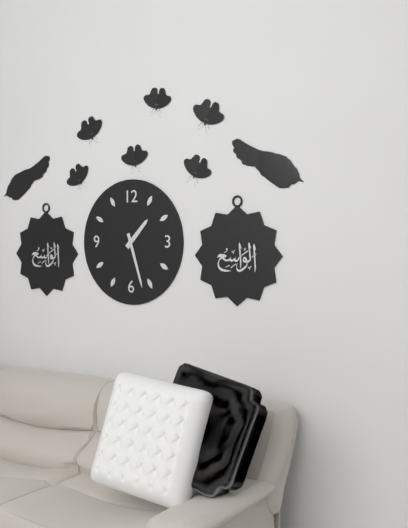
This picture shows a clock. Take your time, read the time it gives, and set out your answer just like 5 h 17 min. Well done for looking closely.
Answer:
1 h 27 min
